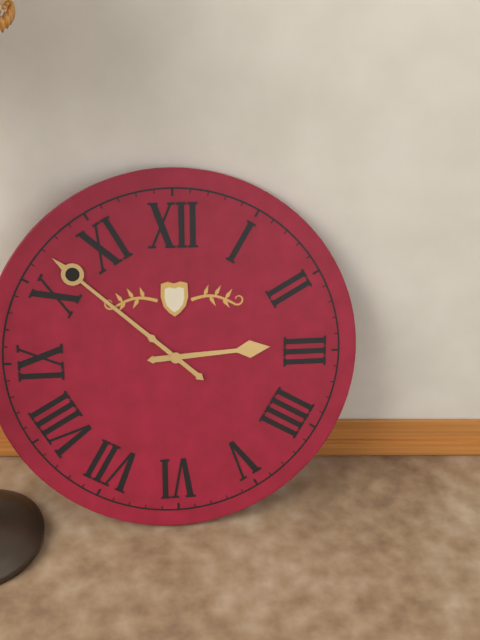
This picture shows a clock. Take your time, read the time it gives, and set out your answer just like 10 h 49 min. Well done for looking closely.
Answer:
2 h 52 min
